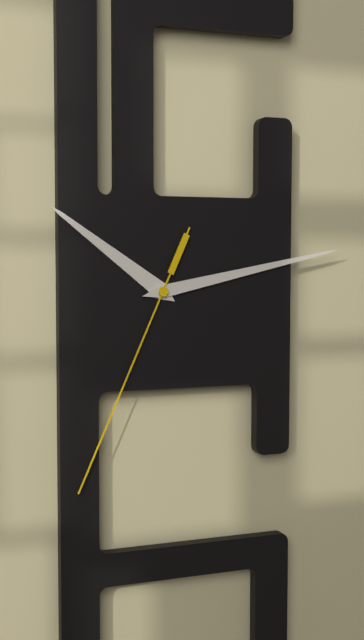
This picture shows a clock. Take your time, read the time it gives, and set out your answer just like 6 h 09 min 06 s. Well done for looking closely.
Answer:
10 h 13 min 34 s
